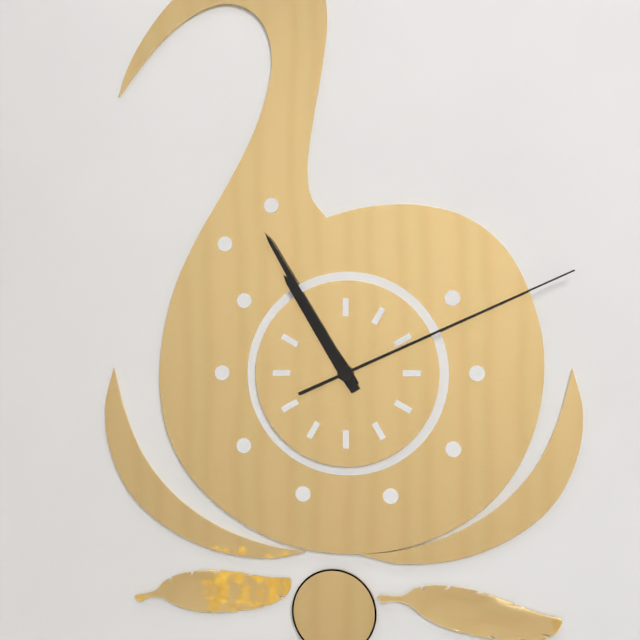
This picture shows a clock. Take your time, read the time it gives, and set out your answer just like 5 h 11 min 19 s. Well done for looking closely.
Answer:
10 h 55 min 11 s
